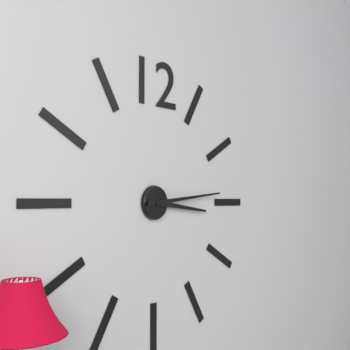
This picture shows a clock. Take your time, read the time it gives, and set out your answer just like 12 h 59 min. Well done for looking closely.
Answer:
3 h 14 min
